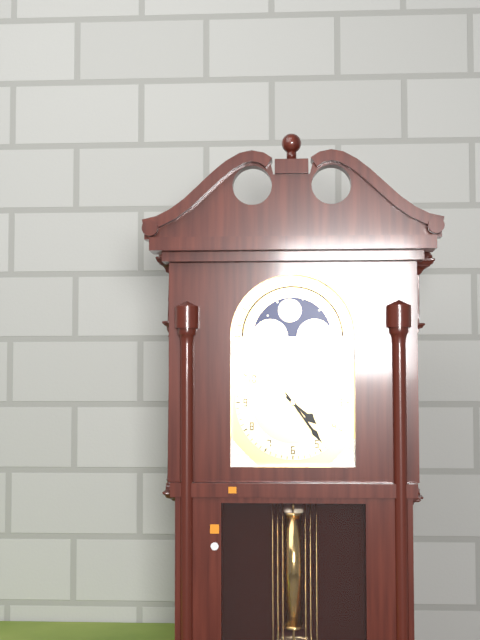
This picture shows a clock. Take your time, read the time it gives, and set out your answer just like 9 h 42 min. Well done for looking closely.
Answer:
4 h 24 min
